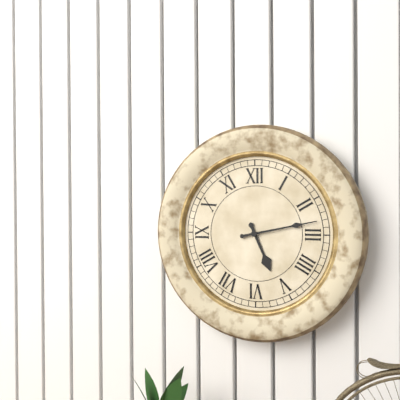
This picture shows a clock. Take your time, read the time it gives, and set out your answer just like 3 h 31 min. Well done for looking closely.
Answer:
5 h 13 min
